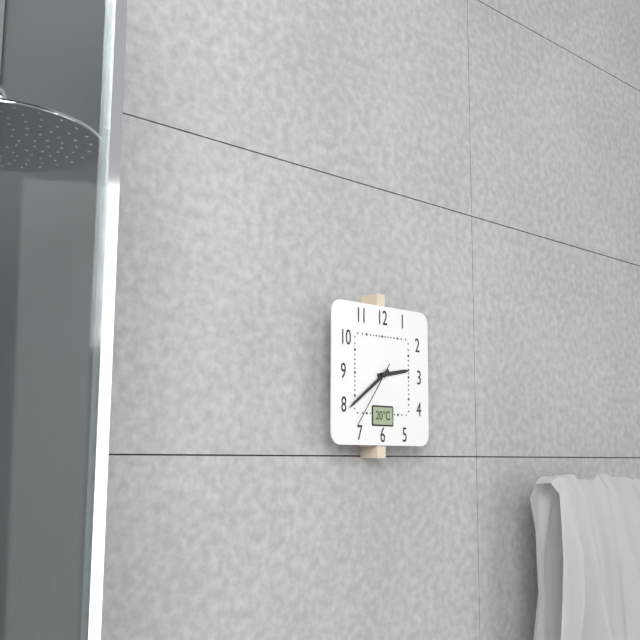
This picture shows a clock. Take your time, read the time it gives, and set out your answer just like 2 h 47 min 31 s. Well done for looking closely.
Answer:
2 h 39 min 36 s
